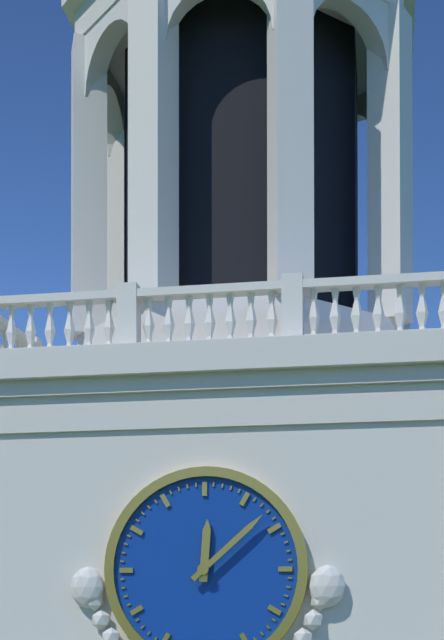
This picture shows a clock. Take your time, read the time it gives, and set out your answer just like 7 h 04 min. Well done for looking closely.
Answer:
12 h 08 min
